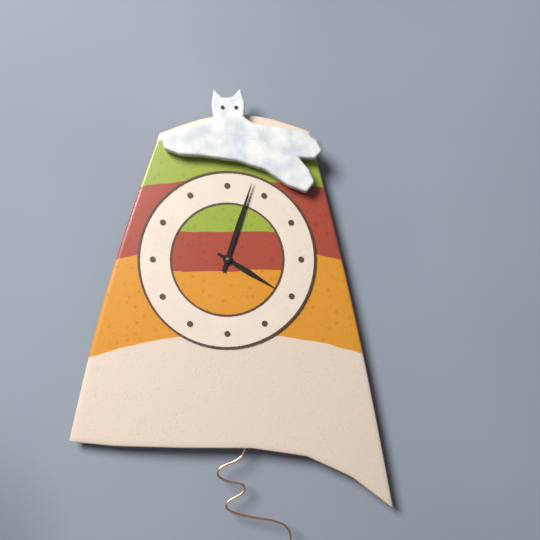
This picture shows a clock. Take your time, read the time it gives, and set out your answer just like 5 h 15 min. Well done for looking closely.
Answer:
4 h 03 min
